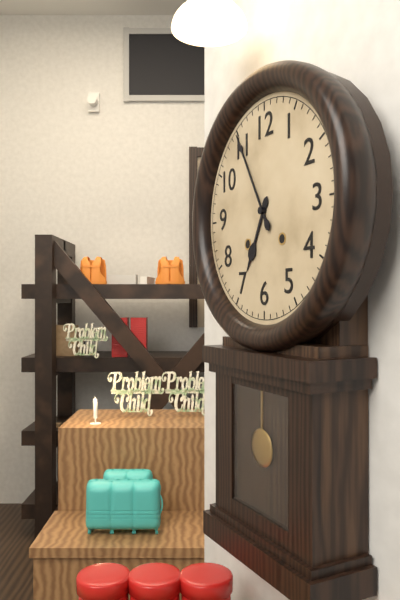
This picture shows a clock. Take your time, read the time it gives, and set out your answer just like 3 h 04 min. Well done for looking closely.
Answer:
6 h 55 min
